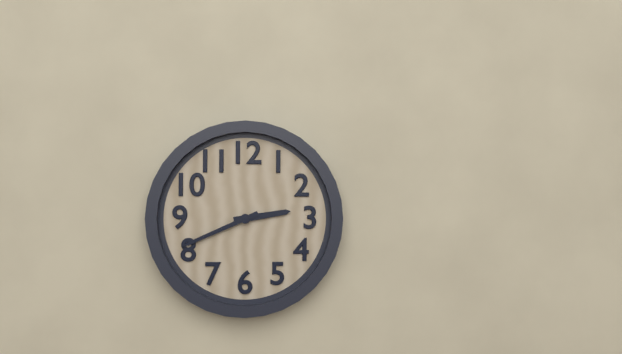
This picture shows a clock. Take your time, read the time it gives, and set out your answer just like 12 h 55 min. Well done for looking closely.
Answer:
2 h 41 min
